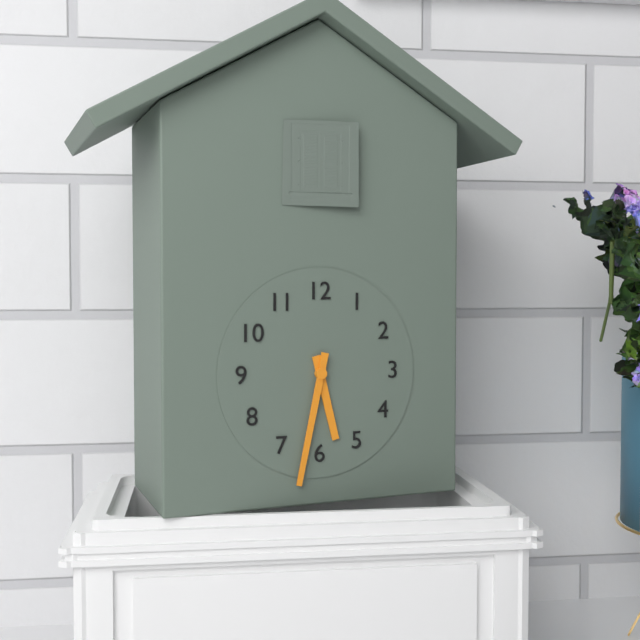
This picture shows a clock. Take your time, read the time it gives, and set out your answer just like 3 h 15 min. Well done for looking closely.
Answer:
5 h 32 min
